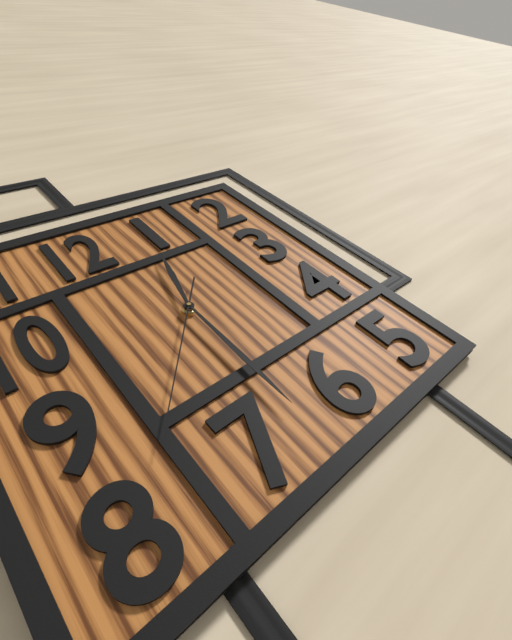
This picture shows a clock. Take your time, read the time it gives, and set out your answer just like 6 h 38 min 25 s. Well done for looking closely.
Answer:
12 h 30 min 37 s
